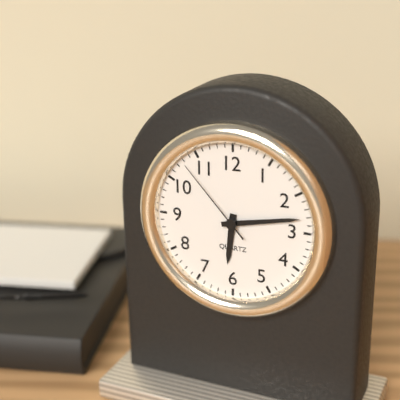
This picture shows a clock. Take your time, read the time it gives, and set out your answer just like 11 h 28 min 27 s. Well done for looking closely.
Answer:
6 h 13 min 53 s
